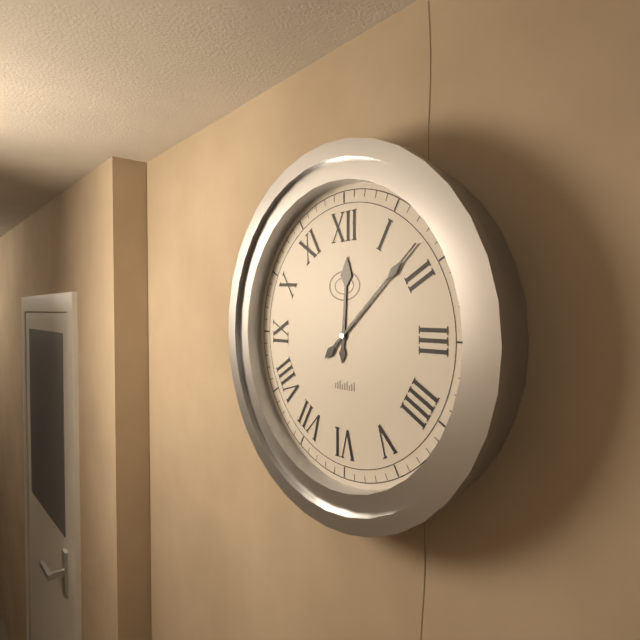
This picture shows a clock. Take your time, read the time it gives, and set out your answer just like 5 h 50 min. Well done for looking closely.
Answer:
12 h 08 min
